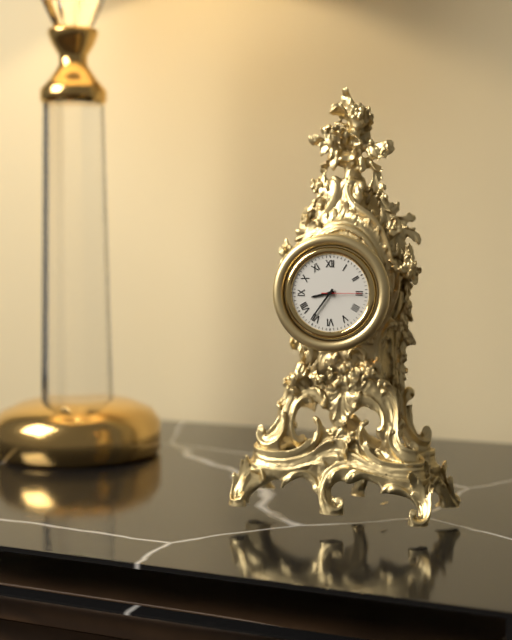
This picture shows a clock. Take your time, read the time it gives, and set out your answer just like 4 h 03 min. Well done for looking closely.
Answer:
8 h 36 min
